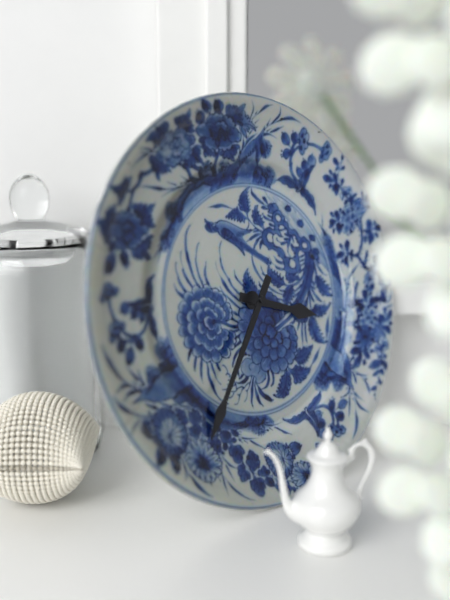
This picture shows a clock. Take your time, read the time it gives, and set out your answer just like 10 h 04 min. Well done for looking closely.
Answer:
3 h 36 min
